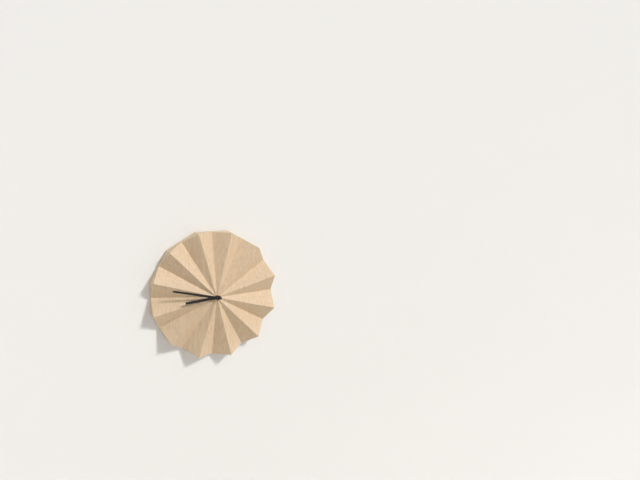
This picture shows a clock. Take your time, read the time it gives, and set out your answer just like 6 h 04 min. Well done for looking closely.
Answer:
8 h 47 min
